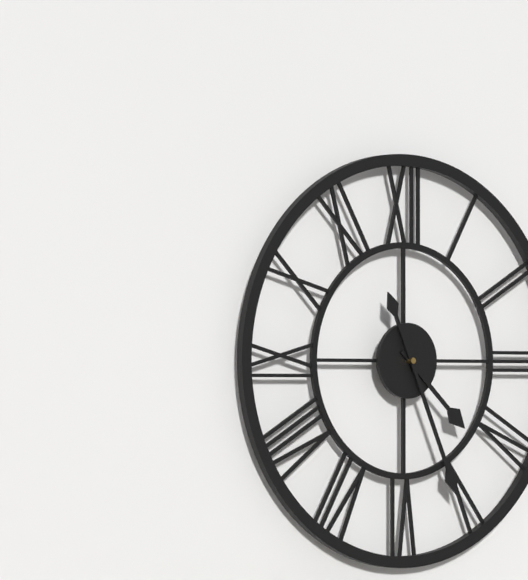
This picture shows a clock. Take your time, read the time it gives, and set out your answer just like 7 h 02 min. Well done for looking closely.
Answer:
4 h 26 min
